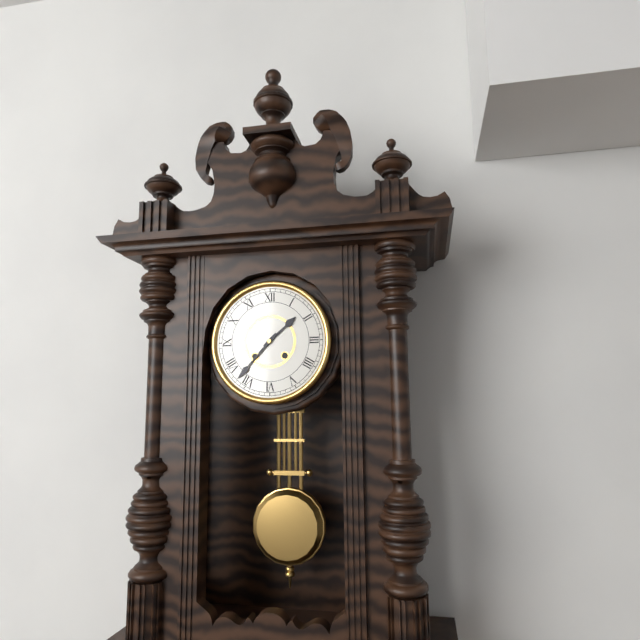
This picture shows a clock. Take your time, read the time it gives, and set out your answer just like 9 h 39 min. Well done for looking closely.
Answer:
1 h 37 min
